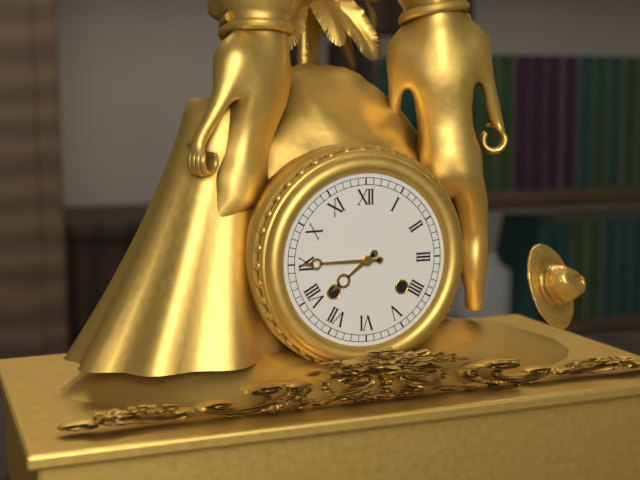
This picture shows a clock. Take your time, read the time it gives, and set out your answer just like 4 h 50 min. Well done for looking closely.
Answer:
7 h 45 min
